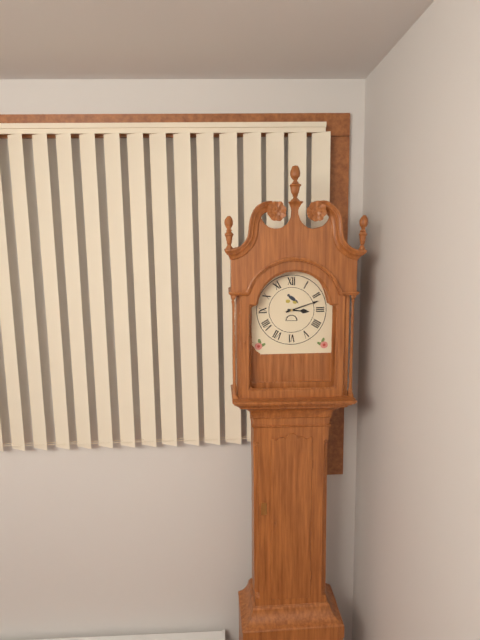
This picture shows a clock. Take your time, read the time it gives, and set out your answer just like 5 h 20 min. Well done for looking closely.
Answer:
3 h 12 min
